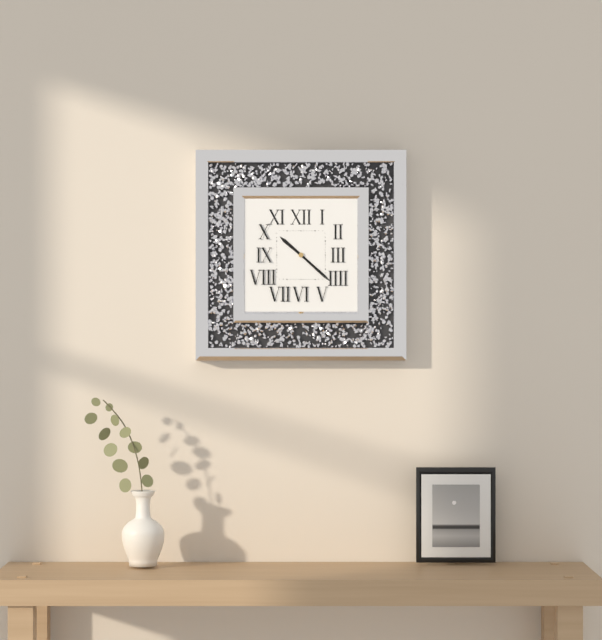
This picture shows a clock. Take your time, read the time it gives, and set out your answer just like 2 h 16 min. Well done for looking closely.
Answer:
10 h 22 min
